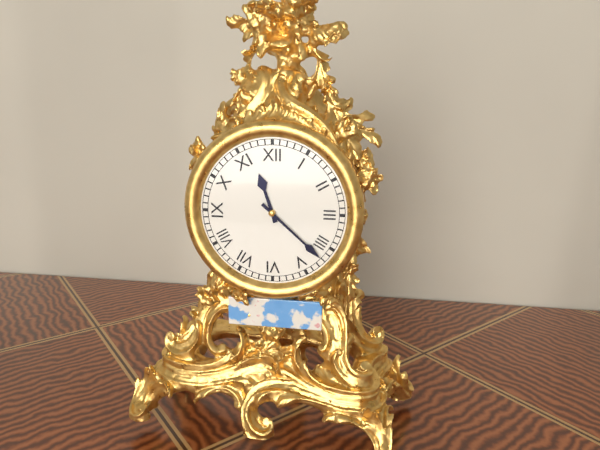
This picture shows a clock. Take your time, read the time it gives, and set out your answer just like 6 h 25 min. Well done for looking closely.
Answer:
11 h 22 min
